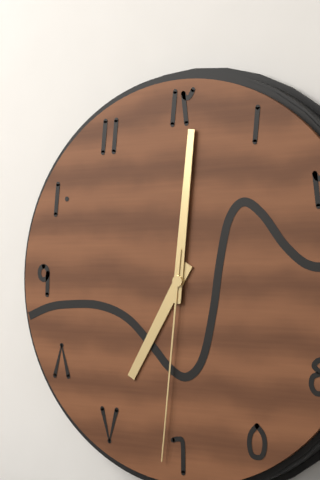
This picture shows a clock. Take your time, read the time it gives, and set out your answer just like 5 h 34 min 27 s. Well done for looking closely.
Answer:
7 h 01 min 31 s
